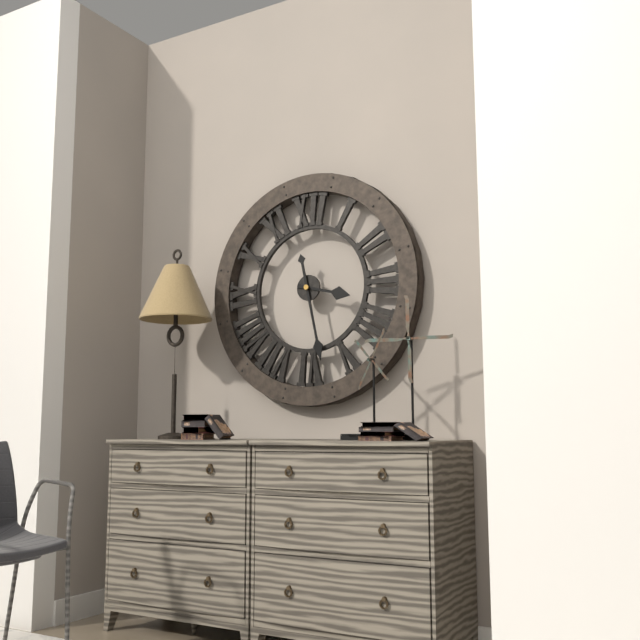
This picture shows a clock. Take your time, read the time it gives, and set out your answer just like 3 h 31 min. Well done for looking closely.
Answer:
3 h 28 min
